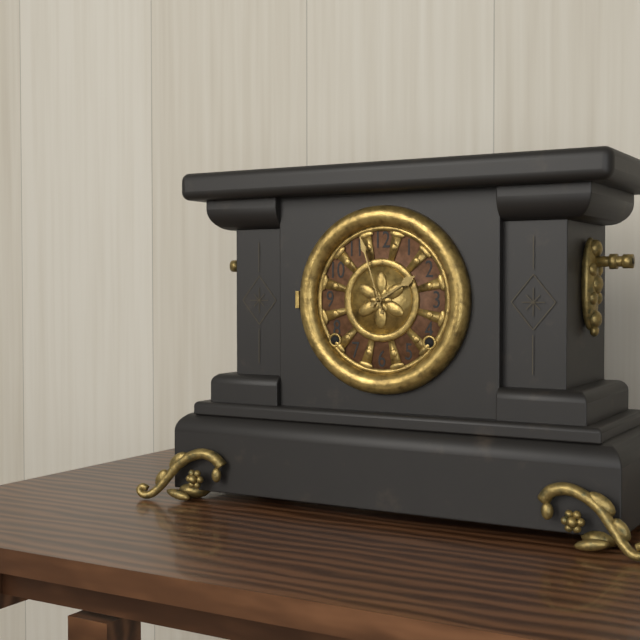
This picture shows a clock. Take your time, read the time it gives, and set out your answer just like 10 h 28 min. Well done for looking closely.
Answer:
1 h 57 min
